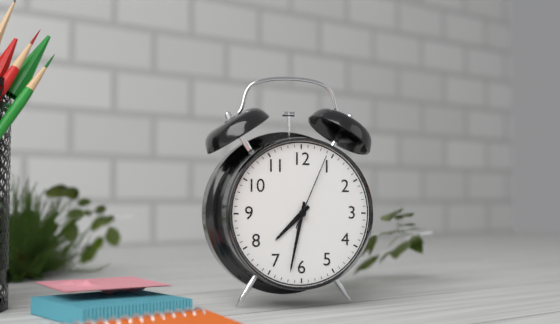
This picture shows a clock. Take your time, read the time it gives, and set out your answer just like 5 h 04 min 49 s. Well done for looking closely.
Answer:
7 h 32 min 04 s
